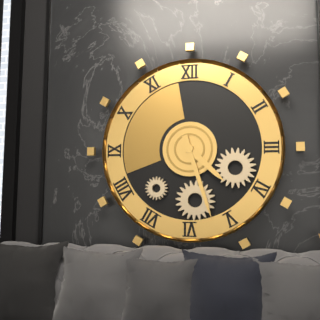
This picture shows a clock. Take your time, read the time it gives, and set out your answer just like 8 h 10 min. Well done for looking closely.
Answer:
4 h 27 min
